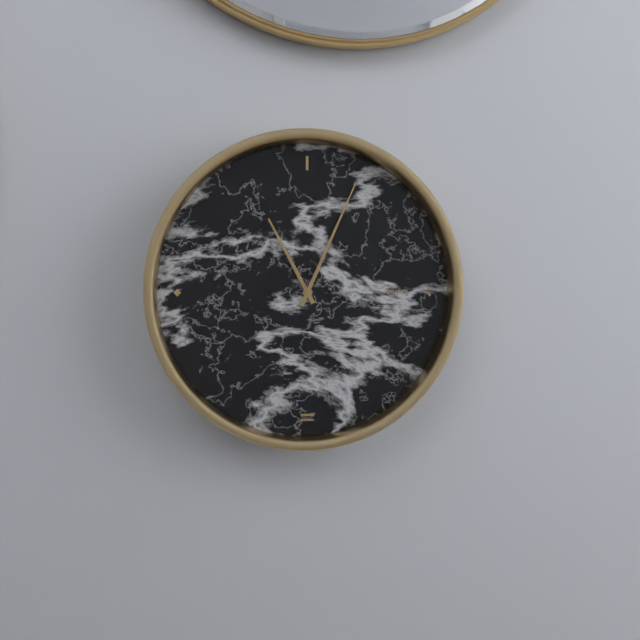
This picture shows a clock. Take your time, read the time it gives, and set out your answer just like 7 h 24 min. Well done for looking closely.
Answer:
11 h 04 min
